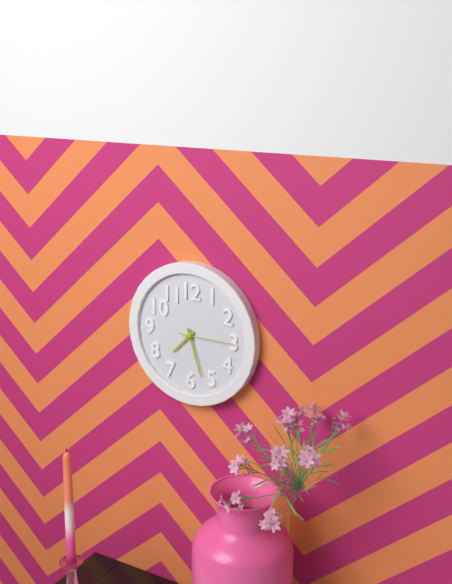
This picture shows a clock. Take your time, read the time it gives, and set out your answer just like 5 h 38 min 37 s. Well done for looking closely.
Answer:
7 h 27 min 15 s
